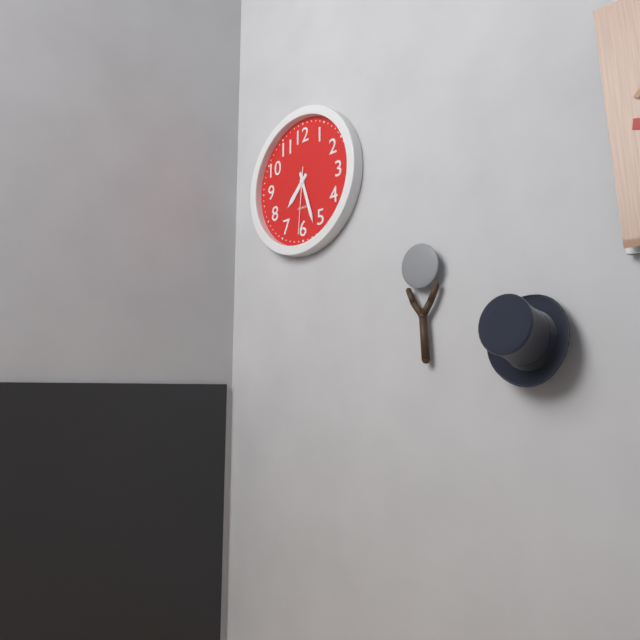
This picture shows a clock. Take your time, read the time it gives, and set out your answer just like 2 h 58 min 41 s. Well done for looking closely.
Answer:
7 h 27 min 31 s
